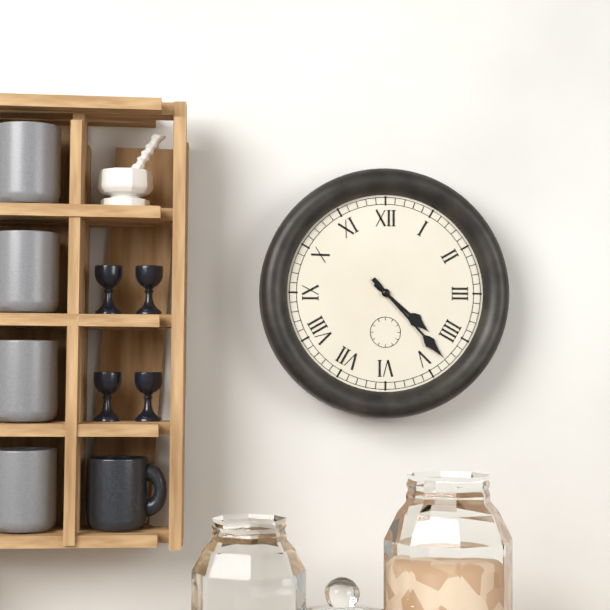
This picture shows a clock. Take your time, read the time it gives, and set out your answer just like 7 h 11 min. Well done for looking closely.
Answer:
4 h 23 min
